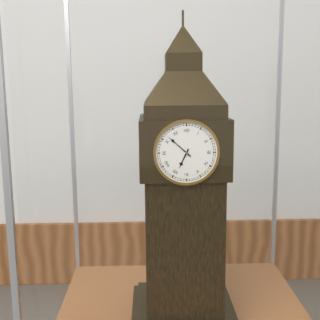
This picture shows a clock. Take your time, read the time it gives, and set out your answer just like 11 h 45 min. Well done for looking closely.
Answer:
6 h 52 min
